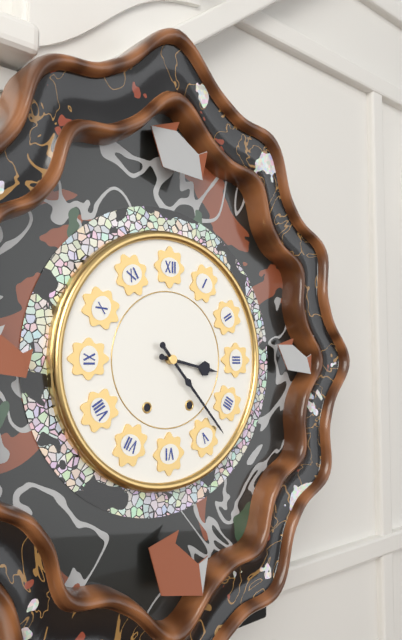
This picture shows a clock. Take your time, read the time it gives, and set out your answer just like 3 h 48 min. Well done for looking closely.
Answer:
3 h 23 min
